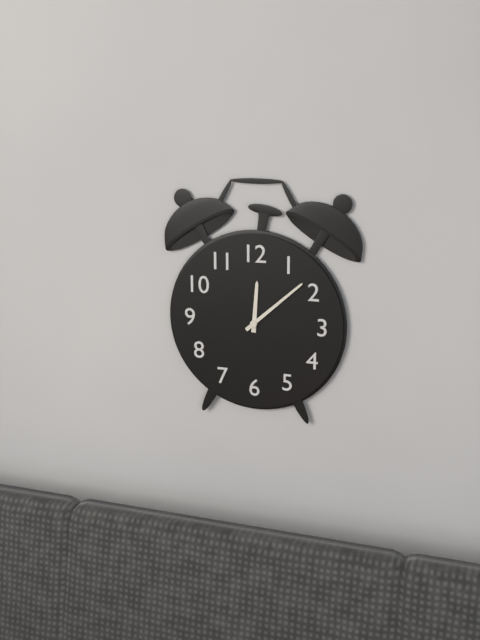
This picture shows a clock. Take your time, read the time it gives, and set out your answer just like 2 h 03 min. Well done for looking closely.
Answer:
12 h 08 min
